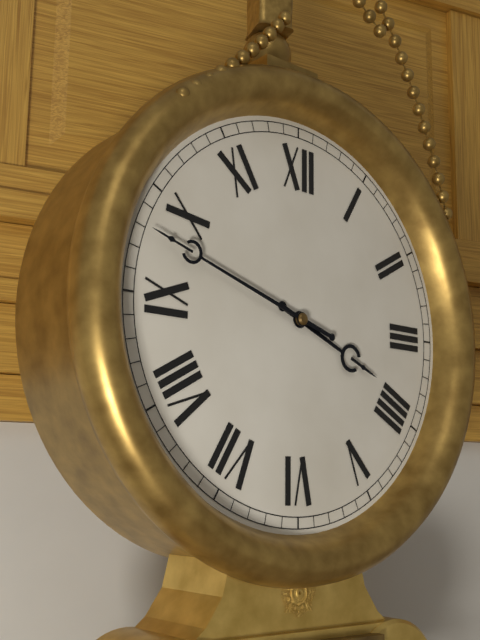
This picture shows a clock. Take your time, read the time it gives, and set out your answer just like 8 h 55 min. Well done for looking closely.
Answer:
3 h 48 min
